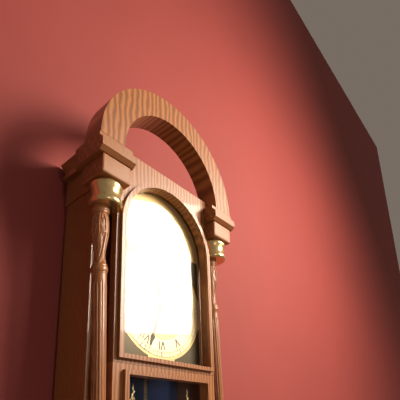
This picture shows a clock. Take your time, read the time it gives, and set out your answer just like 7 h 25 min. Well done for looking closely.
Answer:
11 h 33 min
